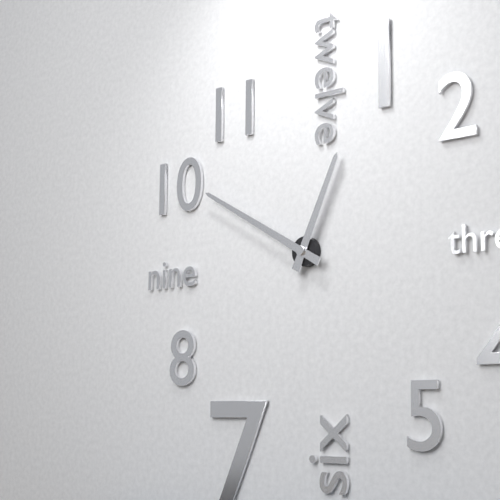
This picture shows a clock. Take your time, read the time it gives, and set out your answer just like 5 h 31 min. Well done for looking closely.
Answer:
12 h 50 min
